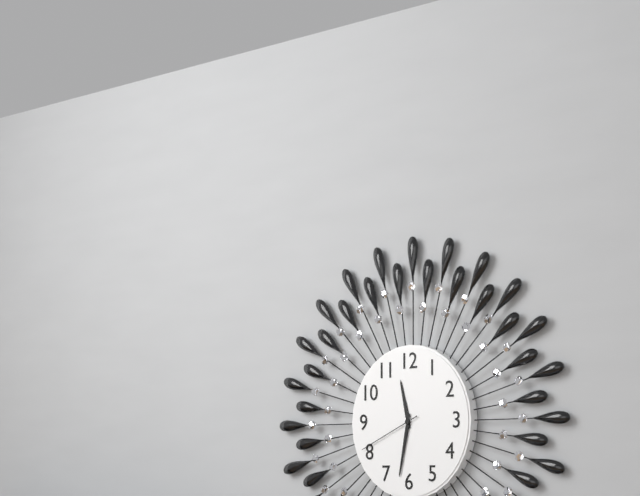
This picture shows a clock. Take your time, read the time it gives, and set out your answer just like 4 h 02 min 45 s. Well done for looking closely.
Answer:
11 h 32 min 41 s
